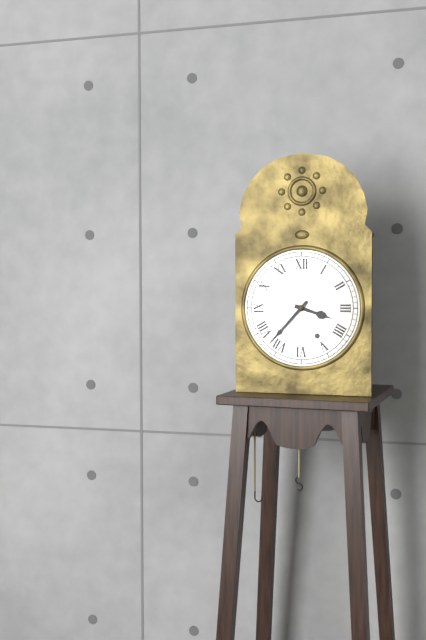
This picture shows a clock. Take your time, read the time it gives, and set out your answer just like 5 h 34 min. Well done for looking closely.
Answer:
3 h 37 min
